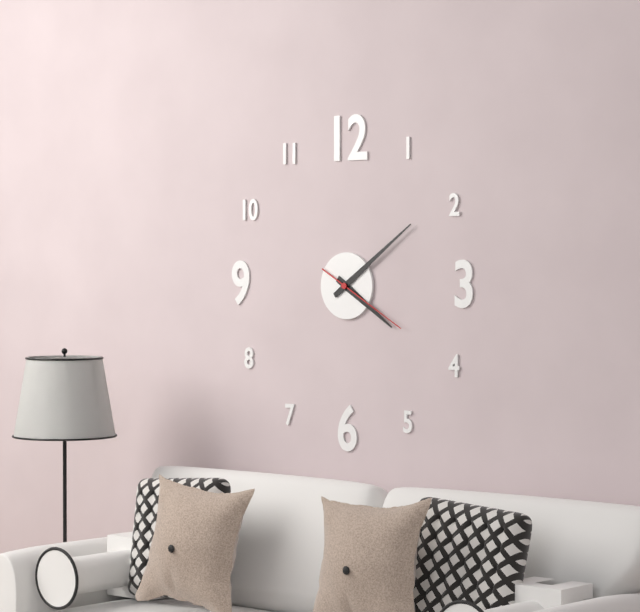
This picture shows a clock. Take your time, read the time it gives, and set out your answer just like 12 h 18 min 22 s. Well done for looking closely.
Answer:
4 h 09 min 20 s
